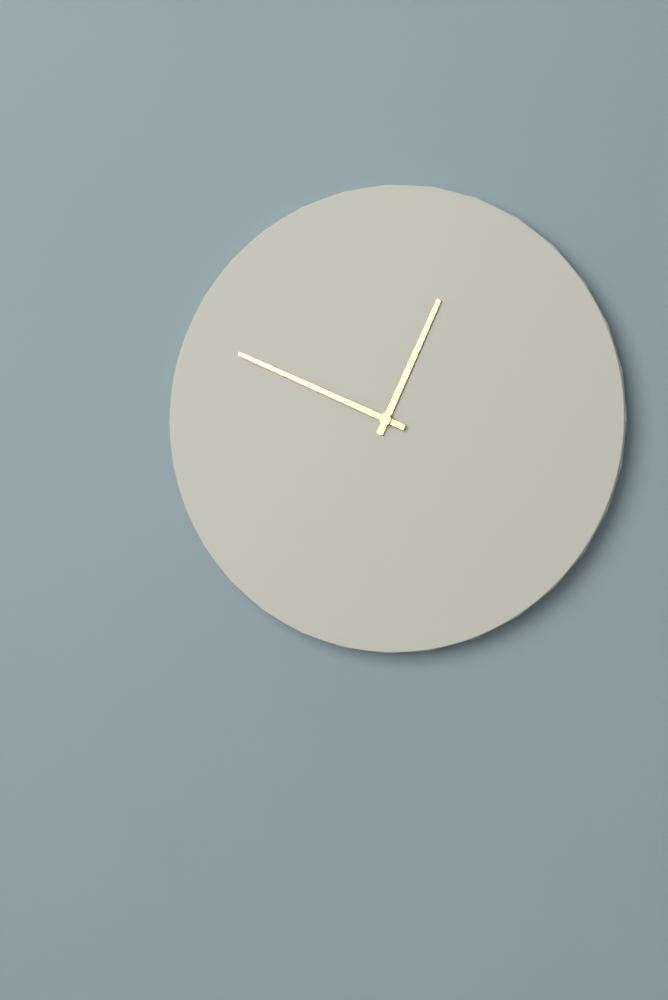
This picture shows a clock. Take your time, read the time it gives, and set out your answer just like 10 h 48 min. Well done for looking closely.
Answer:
12 h 49 min
